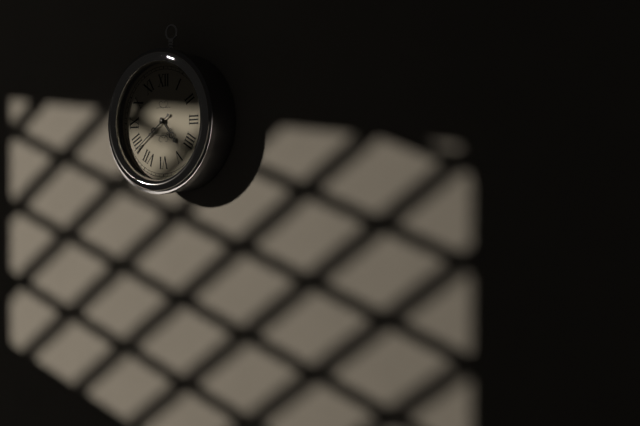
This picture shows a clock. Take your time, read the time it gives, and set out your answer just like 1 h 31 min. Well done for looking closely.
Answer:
4 h 39 min
